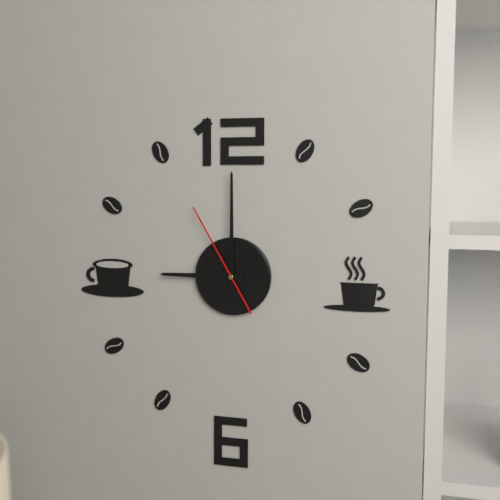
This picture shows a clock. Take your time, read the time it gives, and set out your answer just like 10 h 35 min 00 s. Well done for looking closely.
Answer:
9 h 00 min 55 s
